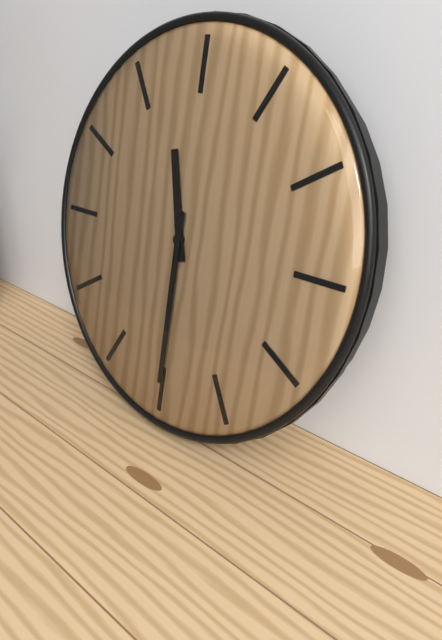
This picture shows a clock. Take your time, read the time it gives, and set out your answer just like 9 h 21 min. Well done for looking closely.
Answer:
11 h 30 min
